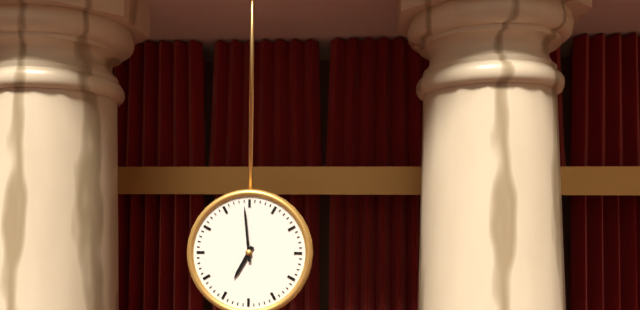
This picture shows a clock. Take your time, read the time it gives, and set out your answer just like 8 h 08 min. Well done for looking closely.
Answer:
6 h 59 min
